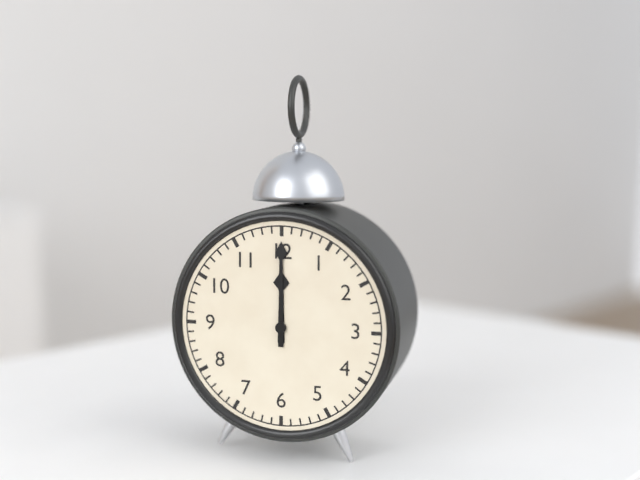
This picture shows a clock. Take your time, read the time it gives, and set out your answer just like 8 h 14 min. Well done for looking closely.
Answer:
12 h 00 min
